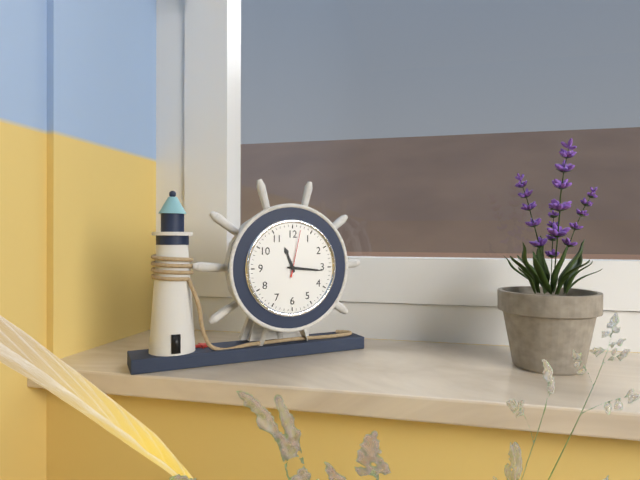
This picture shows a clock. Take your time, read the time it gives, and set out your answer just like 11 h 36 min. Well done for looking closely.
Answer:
11 h 16 min
